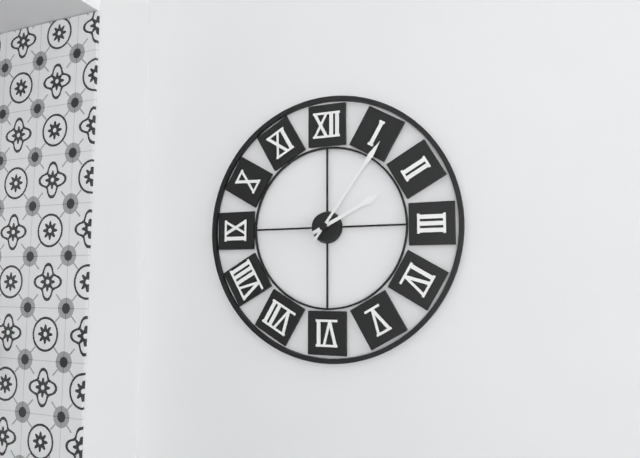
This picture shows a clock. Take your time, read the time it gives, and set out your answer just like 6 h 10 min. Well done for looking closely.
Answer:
2 h 06 min
